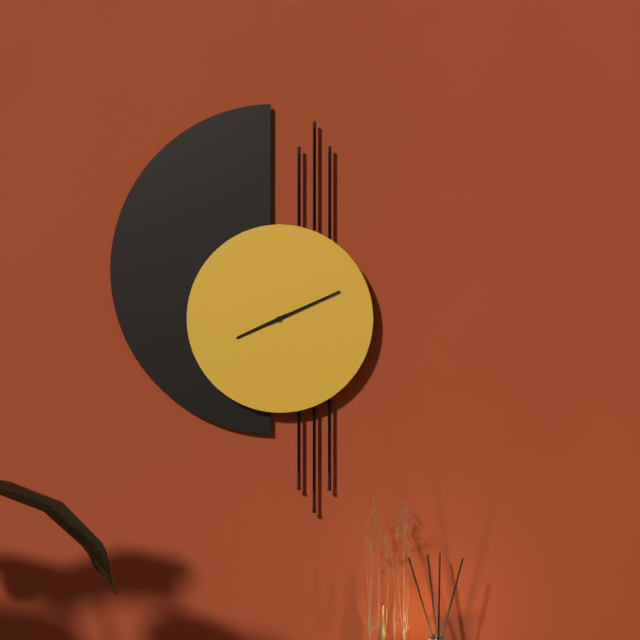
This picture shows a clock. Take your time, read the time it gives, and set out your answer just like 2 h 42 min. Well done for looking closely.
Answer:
8 h 11 min
